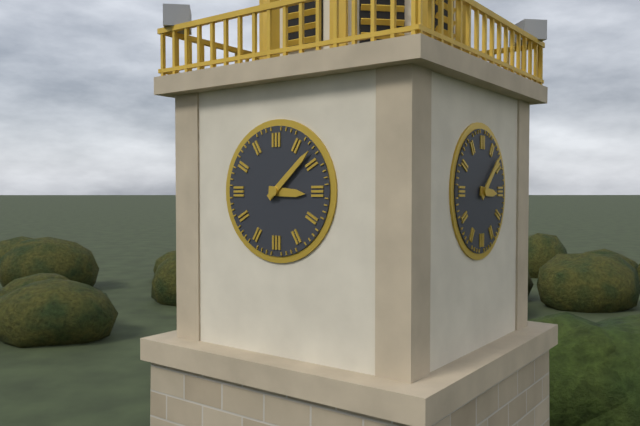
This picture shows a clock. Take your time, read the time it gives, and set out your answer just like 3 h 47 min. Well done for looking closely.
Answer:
3 h 08 min
